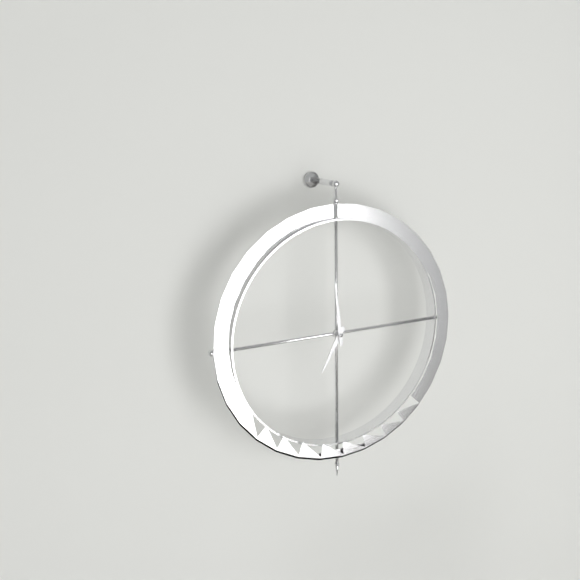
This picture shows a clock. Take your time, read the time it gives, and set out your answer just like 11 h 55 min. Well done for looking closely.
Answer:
6 h 59 min
